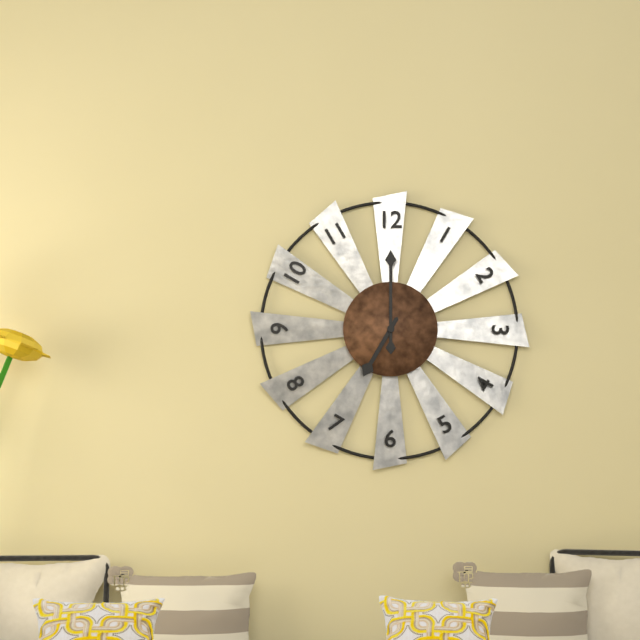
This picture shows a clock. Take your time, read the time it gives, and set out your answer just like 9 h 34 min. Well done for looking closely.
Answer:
7 h 00 min
